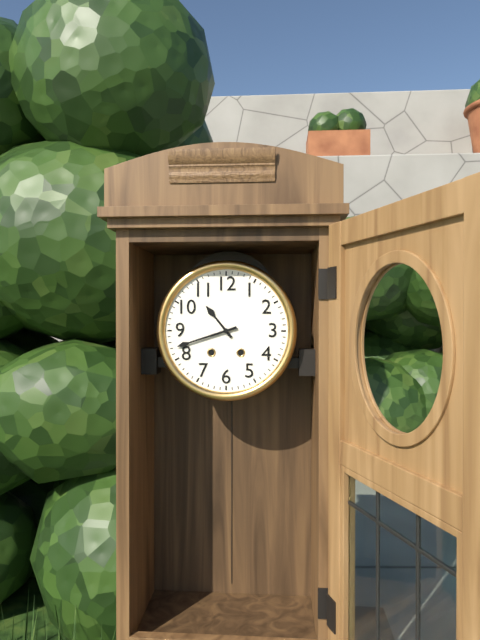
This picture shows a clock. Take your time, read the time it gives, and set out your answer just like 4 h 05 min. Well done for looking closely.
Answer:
10 h 42 min
